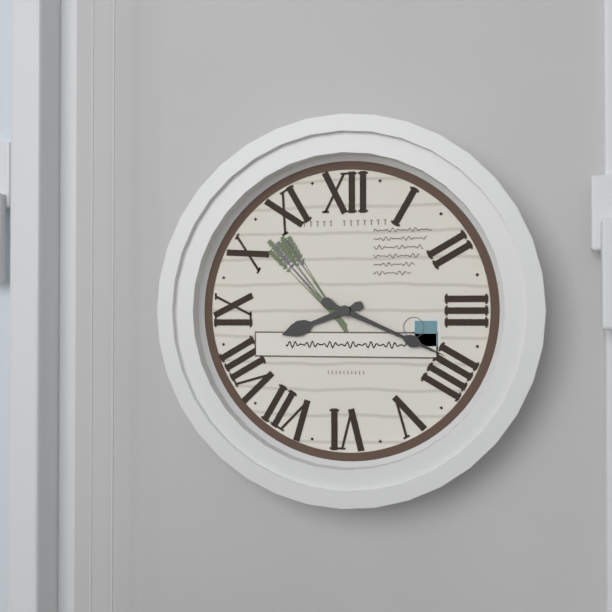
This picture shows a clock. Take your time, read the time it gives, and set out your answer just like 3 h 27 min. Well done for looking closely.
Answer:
8 h 19 min
